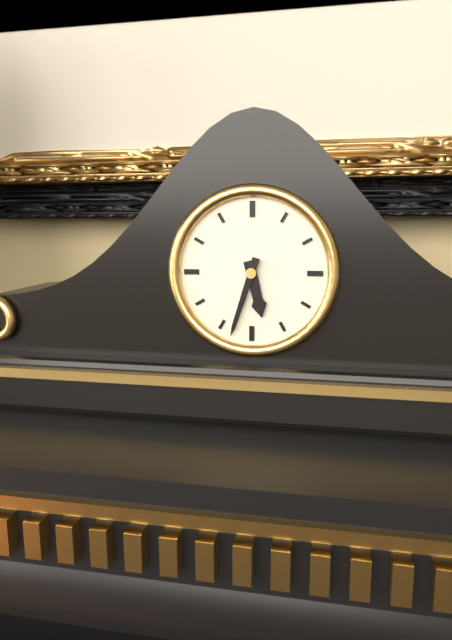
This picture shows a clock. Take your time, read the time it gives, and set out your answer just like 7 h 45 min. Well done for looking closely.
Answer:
5 h 33 min
